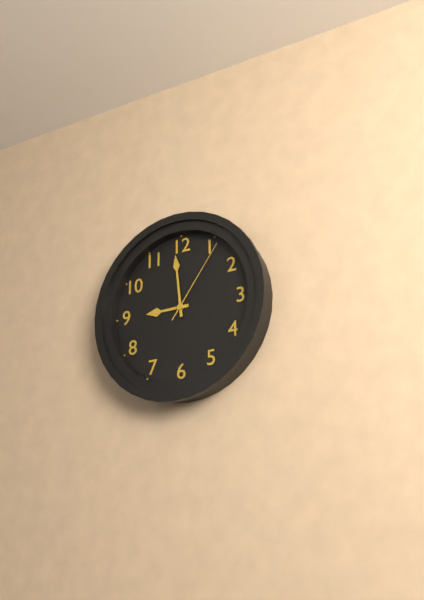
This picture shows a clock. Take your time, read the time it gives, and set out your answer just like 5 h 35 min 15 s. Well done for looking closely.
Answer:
8 h 59 min 06 s
